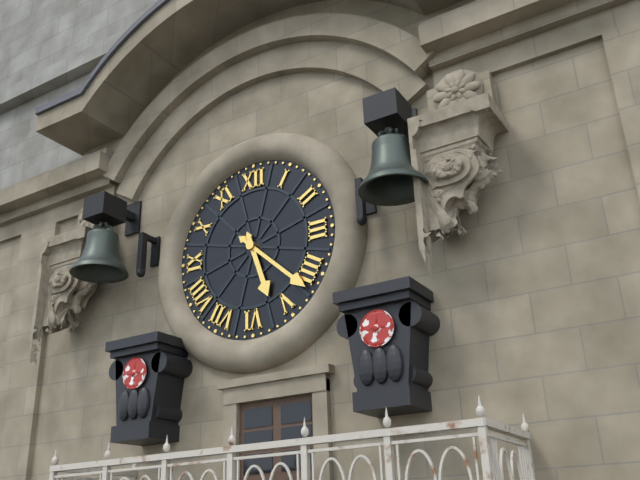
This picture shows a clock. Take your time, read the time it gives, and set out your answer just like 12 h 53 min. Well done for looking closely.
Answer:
5 h 22 min
